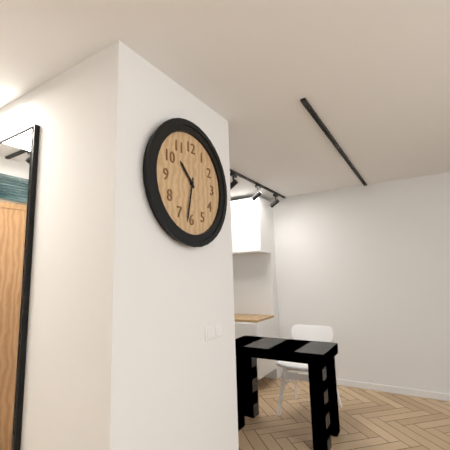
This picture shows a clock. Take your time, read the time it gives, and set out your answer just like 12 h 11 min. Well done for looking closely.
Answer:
10 h 32 min
